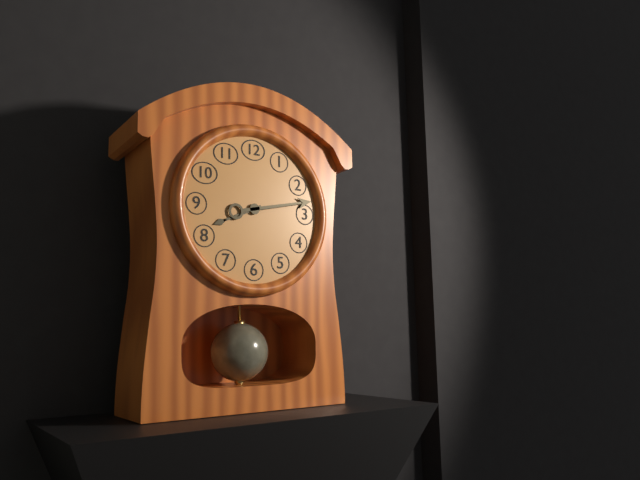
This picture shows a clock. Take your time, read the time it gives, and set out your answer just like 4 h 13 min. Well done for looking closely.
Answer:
8 h 13 min
